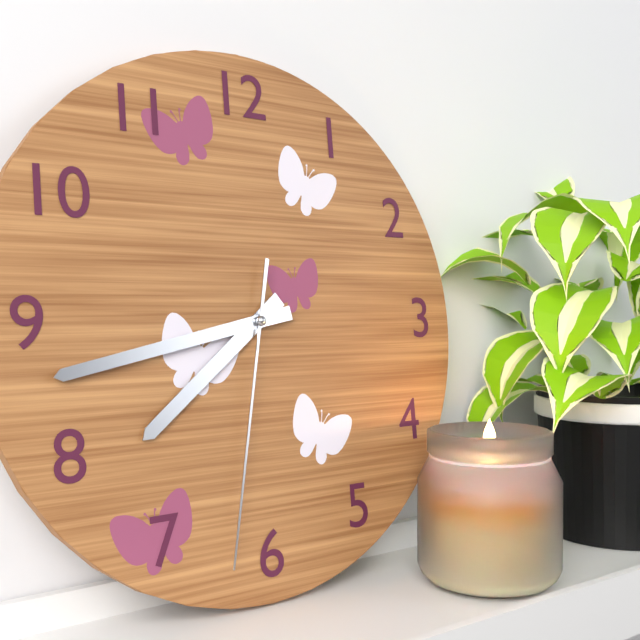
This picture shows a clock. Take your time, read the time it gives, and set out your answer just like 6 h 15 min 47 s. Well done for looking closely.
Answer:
7 h 43 min 32 s
